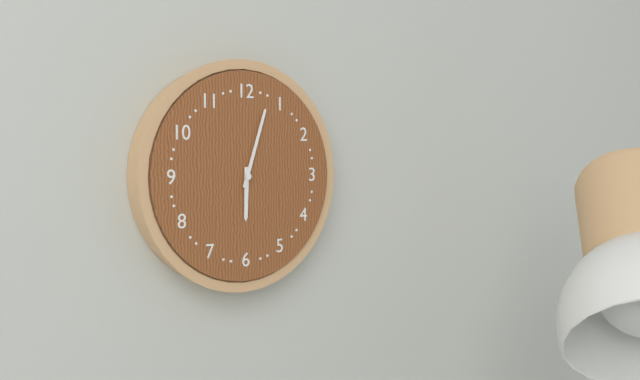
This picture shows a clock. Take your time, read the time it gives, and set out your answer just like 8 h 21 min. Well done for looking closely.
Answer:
6 h 03 min
